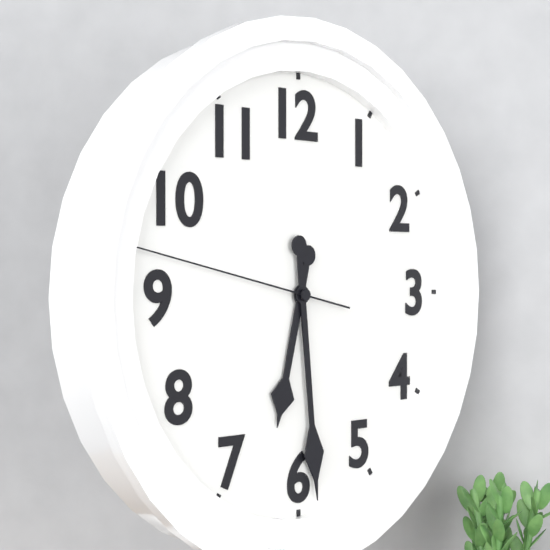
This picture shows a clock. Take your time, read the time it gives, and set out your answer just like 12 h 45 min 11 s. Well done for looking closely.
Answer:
6 h 29 min 47 s
